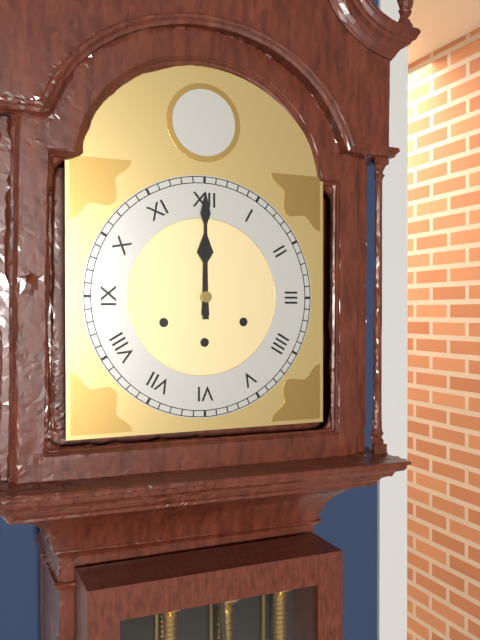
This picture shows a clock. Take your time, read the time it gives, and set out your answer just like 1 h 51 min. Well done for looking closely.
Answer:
12 h 00 min
